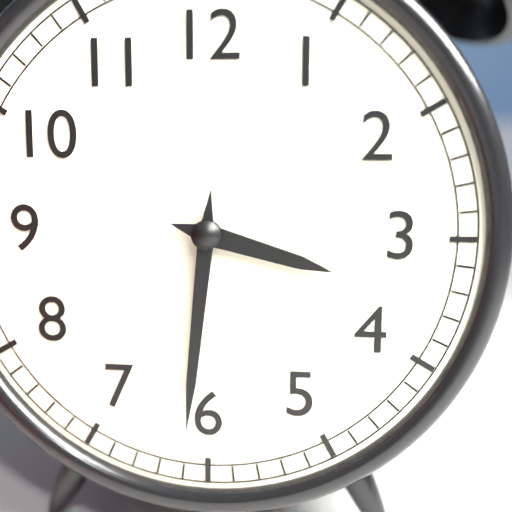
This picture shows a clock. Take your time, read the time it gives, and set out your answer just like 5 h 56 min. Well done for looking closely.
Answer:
3 h 31 min
